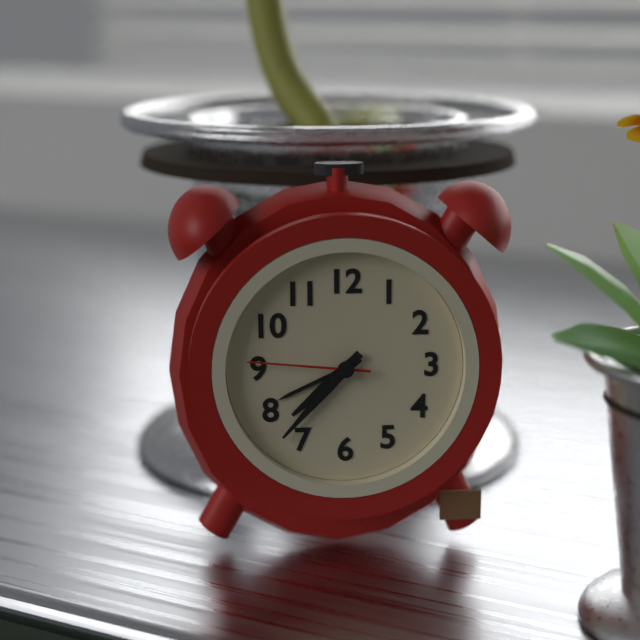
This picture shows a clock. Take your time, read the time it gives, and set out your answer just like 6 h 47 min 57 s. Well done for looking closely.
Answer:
7 h 37 min 46 s
